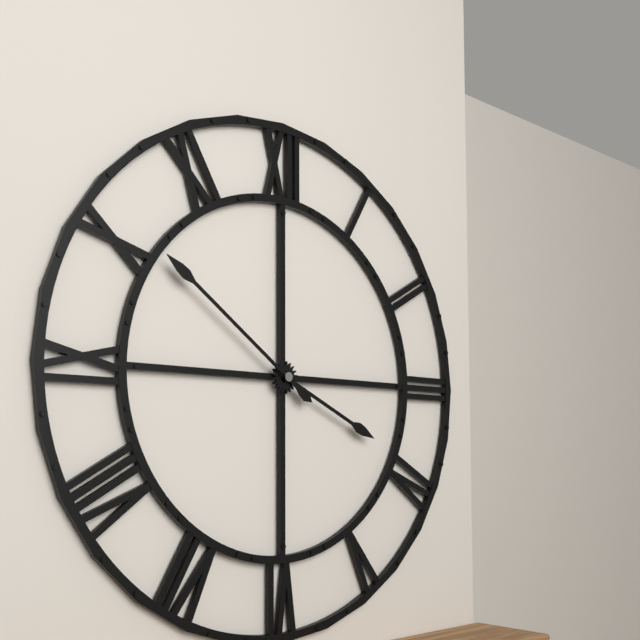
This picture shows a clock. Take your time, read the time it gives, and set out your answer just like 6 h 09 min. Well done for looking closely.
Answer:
3 h 51 min
